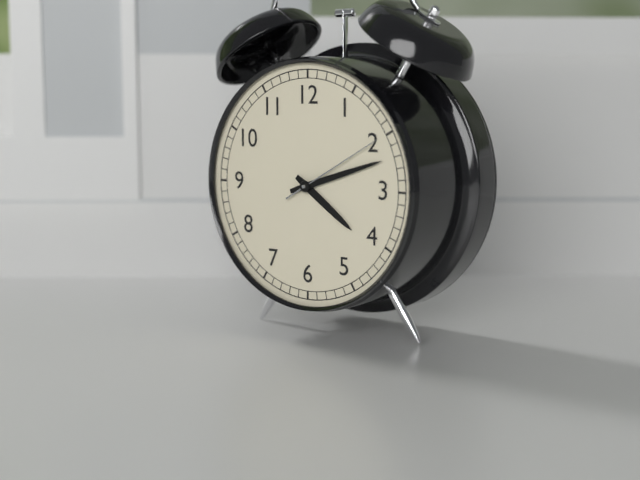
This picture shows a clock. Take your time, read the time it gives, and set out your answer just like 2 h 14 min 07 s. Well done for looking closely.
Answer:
4 h 12 min 10 s
